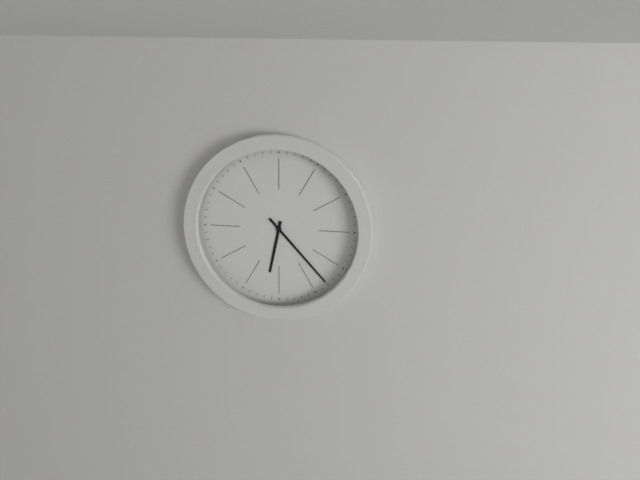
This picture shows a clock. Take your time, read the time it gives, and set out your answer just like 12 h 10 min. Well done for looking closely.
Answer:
6 h 23 min
